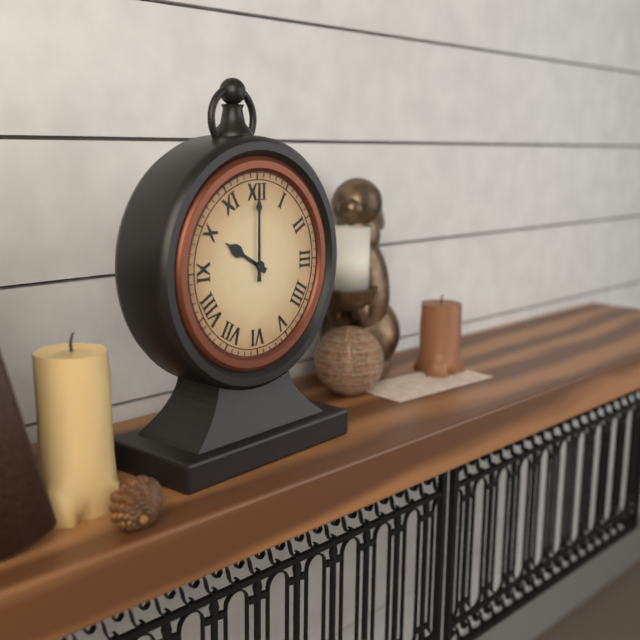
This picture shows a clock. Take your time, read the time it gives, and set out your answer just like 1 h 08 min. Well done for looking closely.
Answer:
10 h 00 min
